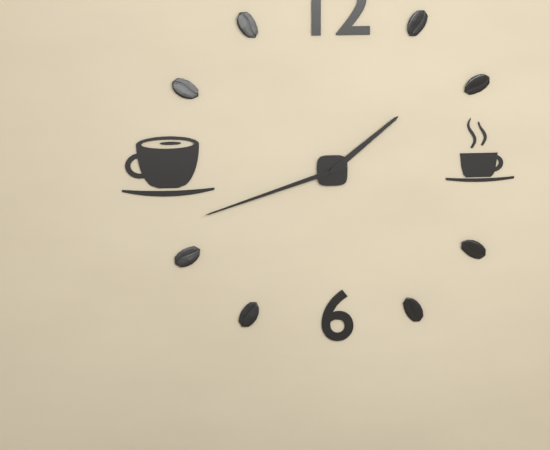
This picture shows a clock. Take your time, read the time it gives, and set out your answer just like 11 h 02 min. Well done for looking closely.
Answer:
1 h 42 min
